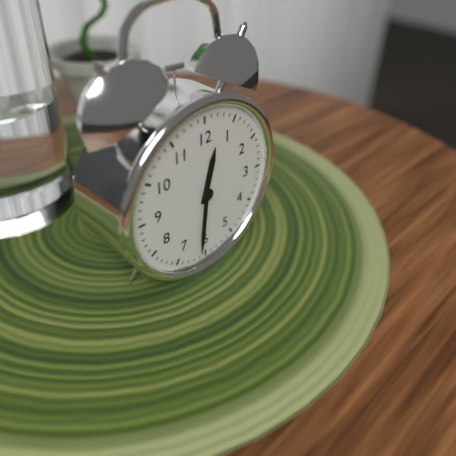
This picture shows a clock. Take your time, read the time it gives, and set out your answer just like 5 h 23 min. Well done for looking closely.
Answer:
12 h 31 min
